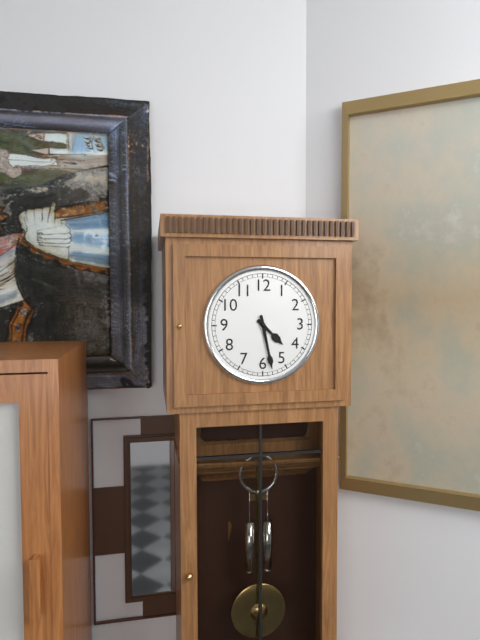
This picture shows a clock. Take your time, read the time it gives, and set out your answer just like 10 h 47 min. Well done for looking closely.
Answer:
4 h 28 min
